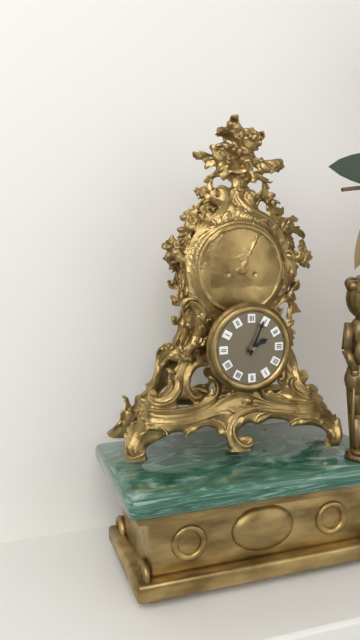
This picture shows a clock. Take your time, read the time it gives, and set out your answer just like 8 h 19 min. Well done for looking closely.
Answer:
2 h 04 min
